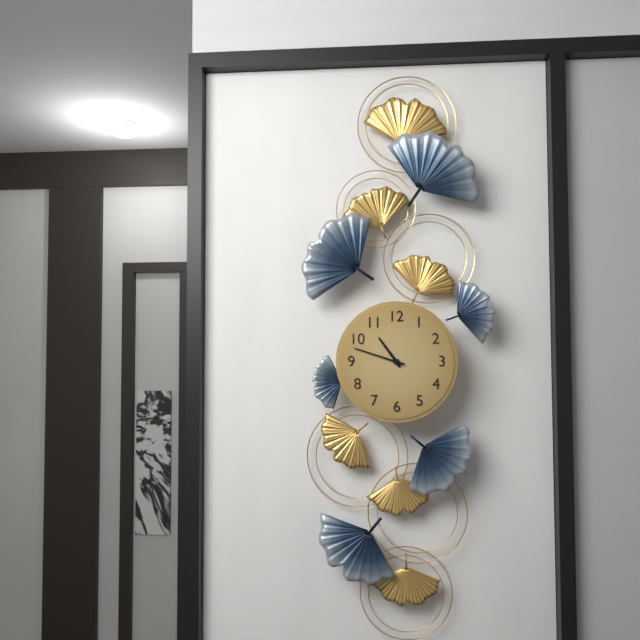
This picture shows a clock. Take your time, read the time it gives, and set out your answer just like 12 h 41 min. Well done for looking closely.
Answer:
10 h 48 min
